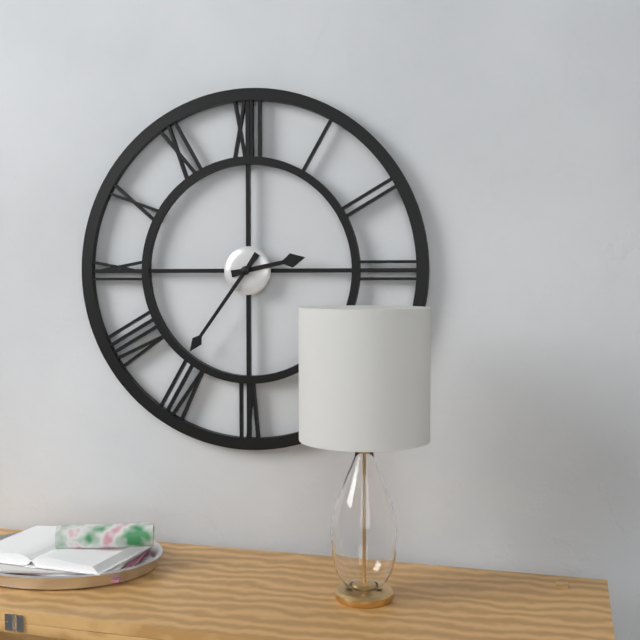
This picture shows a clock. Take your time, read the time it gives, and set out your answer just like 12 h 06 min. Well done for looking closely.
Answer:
2 h 36 min
